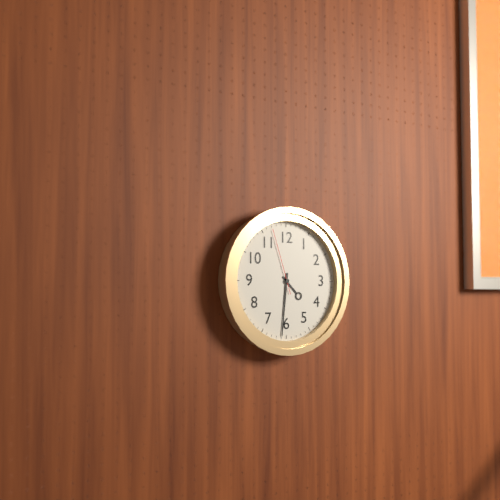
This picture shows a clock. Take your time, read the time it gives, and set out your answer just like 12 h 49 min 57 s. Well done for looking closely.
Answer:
4 h 31 min 57 s
